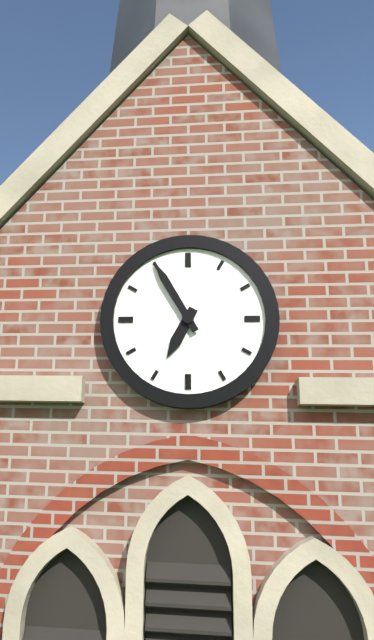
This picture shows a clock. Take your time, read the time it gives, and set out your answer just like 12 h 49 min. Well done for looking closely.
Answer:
6 h 55 min
